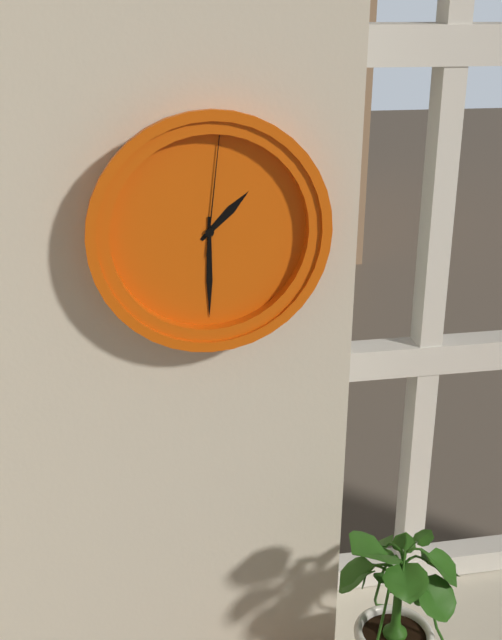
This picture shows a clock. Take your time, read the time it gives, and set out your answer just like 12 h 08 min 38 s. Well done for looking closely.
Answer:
1 h 30 min 01 s
